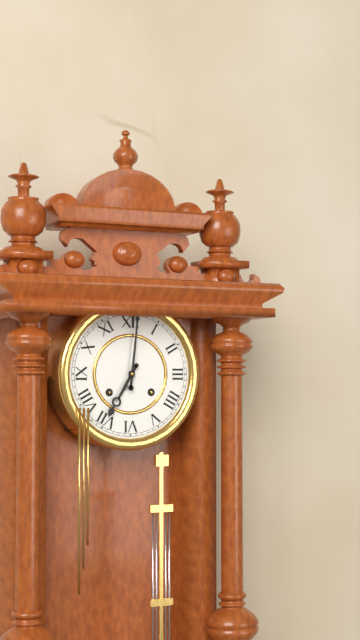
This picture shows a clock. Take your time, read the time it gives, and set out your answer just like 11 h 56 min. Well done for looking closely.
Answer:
7 h 01 min
